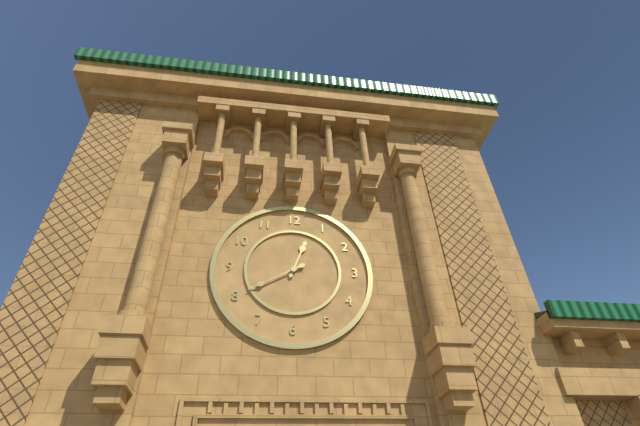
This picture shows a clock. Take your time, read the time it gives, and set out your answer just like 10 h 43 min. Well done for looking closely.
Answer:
12 h 40 min
